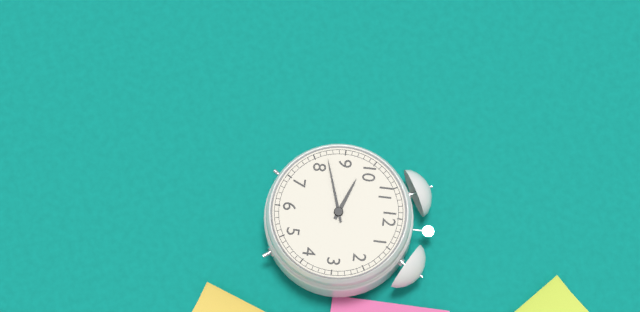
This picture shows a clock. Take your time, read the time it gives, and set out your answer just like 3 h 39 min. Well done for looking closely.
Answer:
9 h 42 min
